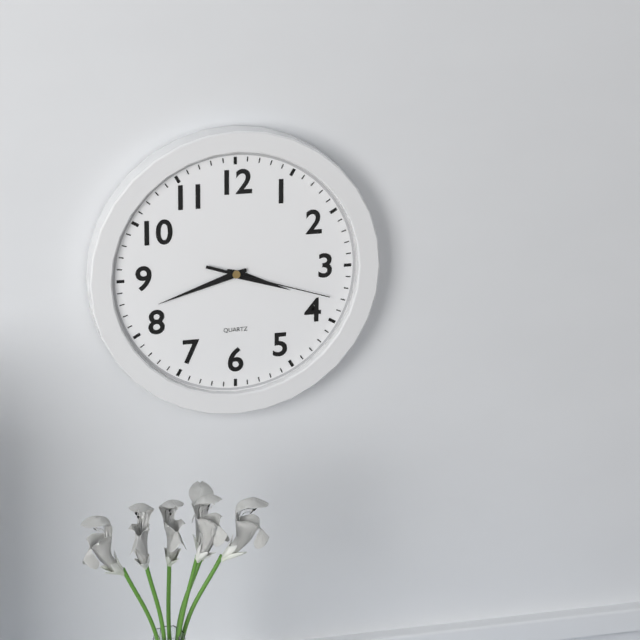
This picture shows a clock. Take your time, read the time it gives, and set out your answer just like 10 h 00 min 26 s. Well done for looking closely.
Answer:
3 h 42 min 18 s
